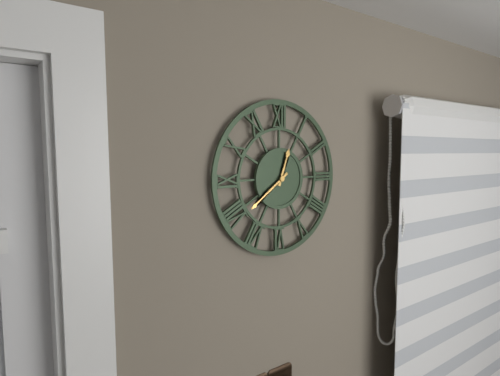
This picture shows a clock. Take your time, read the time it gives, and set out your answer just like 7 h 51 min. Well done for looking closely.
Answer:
12 h 39 min
